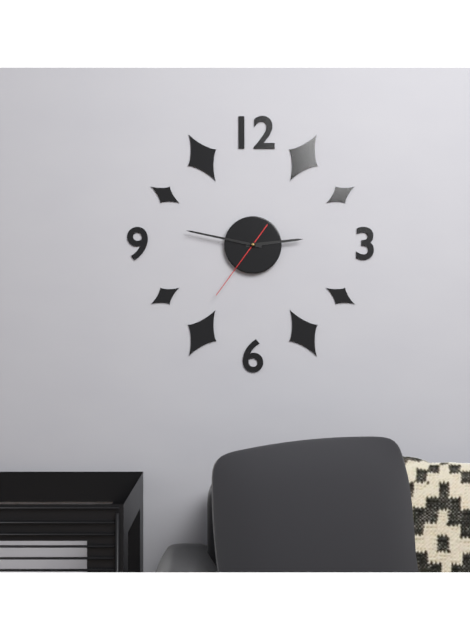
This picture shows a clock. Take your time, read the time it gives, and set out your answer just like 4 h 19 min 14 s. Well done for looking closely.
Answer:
2 h 47 min 36 s
